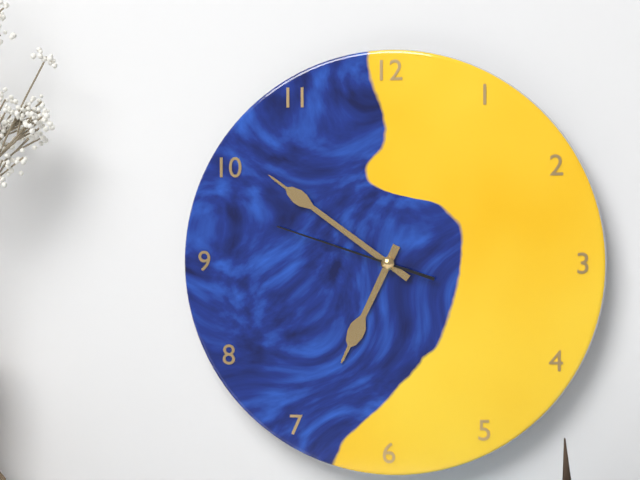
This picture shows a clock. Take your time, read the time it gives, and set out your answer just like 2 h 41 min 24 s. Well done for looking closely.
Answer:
6 h 51 min 48 s
